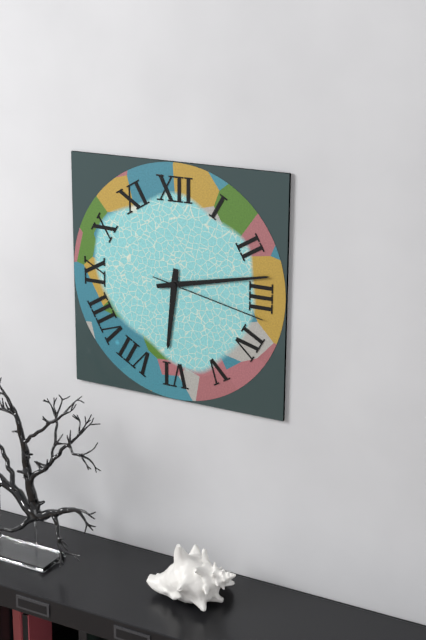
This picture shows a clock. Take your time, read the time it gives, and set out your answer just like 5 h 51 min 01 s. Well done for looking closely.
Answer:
6 h 13 min 17 s
